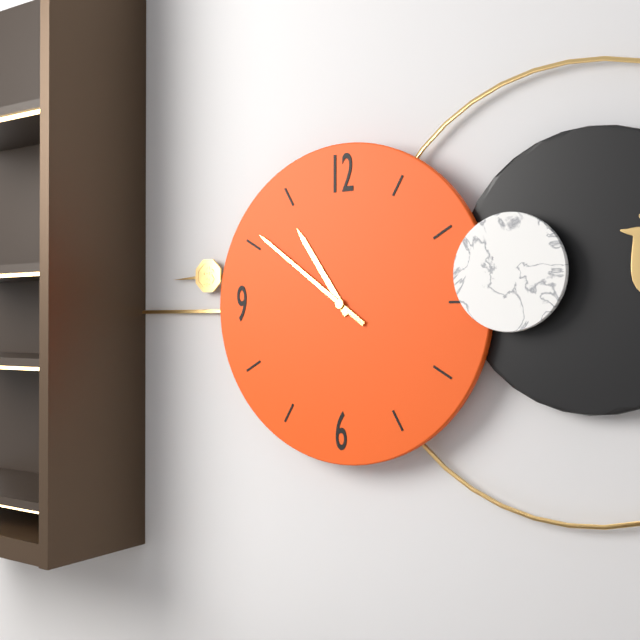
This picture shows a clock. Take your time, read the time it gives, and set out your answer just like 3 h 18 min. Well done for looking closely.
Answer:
10 h 51 min
